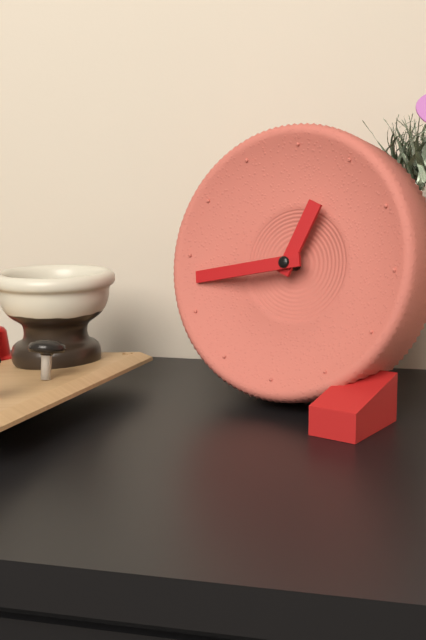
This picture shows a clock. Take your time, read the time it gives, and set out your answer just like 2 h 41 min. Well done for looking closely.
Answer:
12 h 43 min
